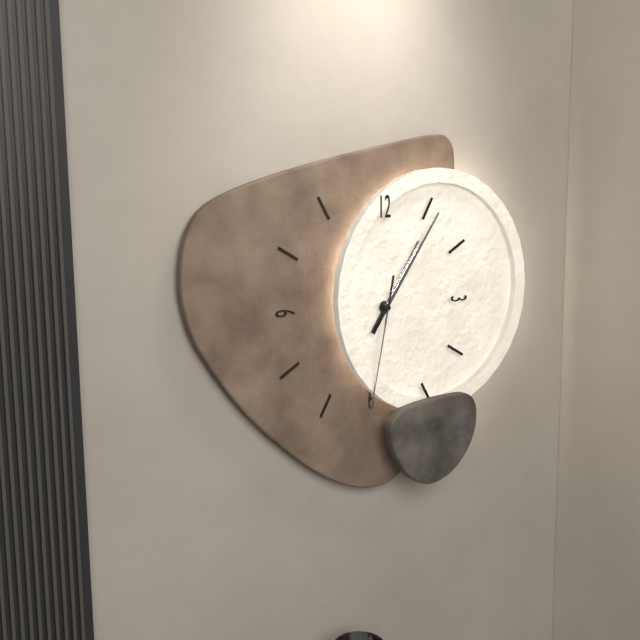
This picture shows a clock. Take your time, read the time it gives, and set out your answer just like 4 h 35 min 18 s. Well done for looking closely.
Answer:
1 h 06 min 32 s
